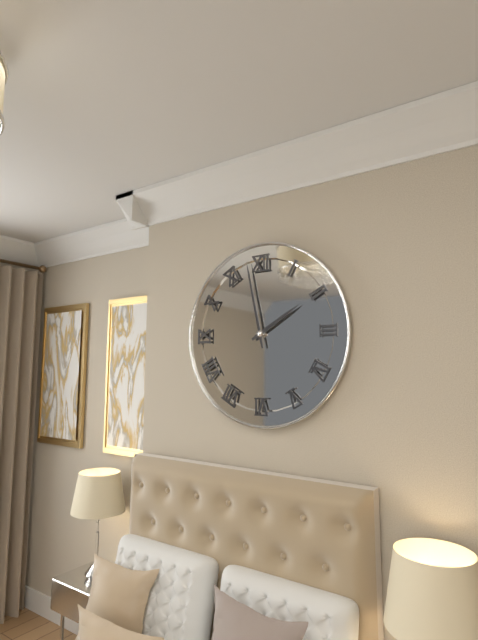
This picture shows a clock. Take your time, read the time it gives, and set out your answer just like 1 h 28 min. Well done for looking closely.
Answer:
1 h 58 min
